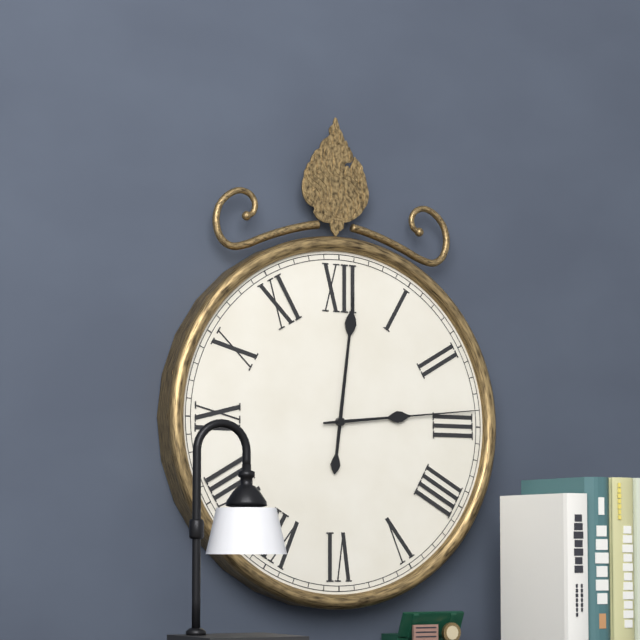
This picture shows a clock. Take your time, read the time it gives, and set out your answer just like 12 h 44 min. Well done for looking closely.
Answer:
12 h 14 min
